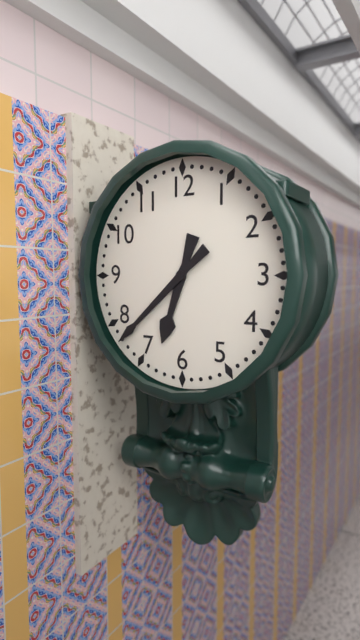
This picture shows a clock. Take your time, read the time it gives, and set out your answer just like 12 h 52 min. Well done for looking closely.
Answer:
6 h 38 min
